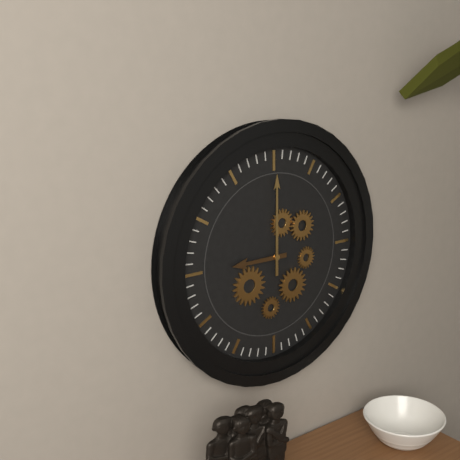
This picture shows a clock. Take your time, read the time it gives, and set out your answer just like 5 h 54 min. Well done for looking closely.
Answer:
9 h 00 min
